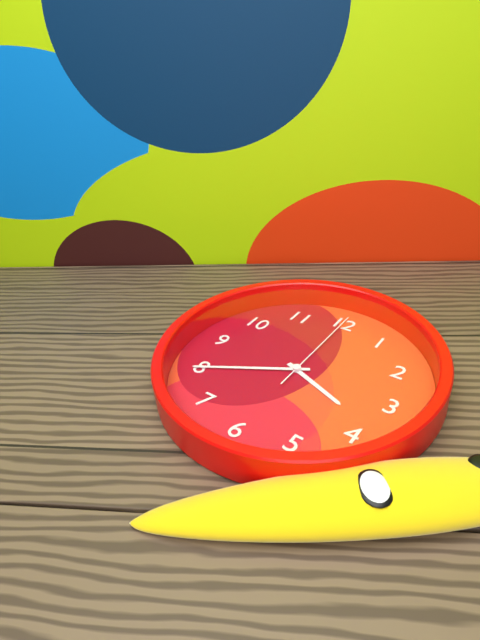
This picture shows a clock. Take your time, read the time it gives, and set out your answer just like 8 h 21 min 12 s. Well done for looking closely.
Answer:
3 h 40 min 00 s
